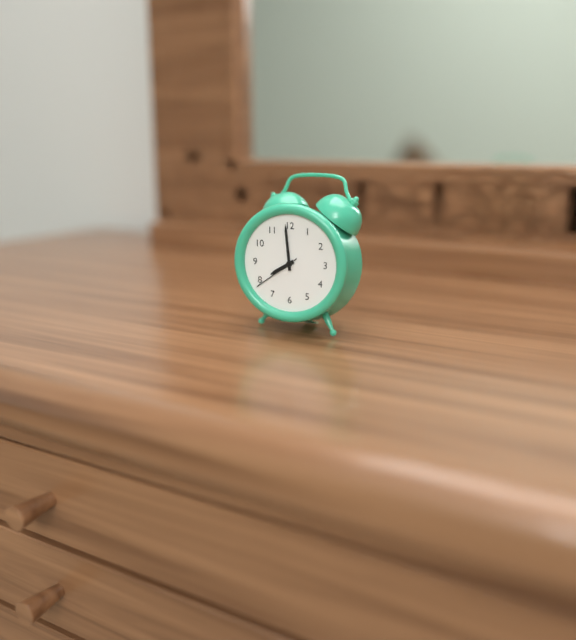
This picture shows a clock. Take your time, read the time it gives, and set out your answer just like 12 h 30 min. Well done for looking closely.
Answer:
7 h 59 min
